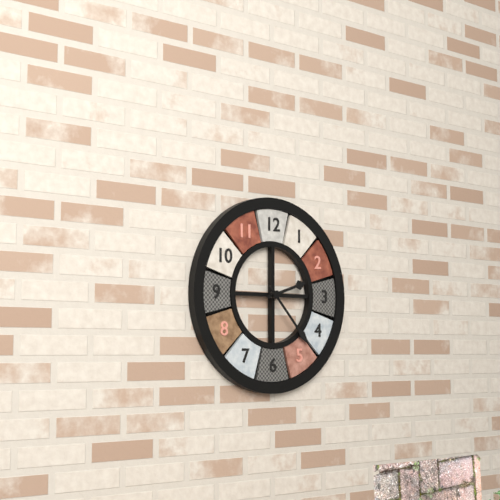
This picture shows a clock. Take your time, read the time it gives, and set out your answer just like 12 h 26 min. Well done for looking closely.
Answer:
2 h 23 min
